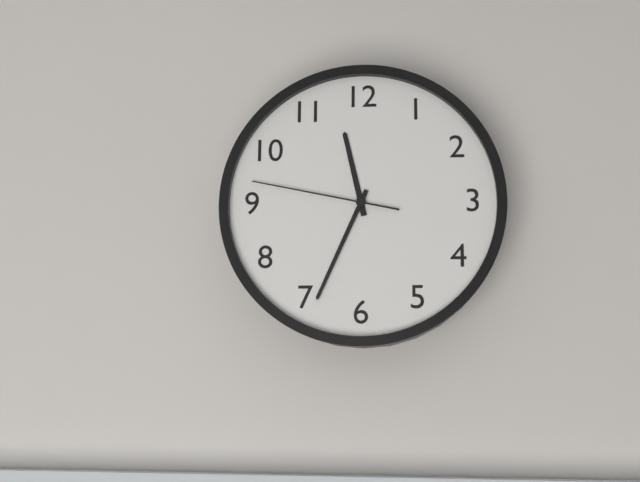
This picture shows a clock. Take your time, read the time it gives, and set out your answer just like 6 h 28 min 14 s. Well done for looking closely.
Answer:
11 h 34 min 47 s
